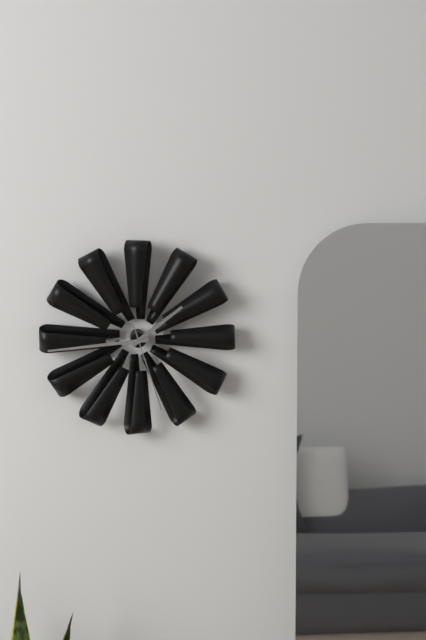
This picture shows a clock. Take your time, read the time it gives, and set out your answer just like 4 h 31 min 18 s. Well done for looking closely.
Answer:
1 h 44 min 27 s
